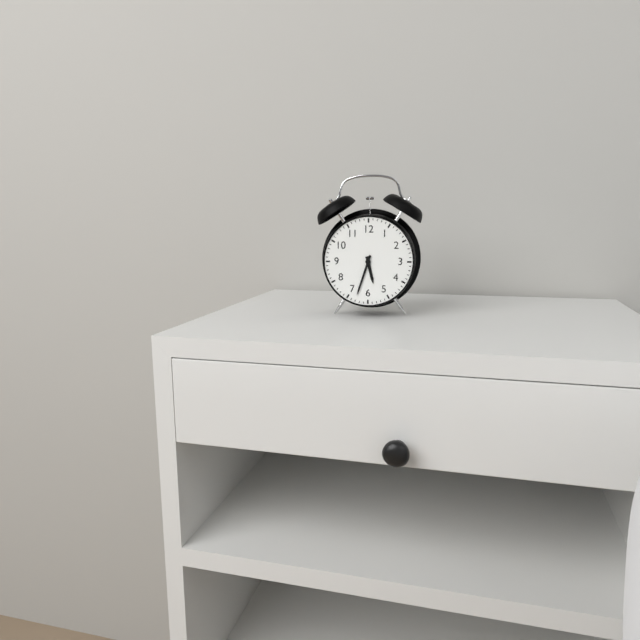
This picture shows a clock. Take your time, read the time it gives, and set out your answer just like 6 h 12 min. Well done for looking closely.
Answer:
5 h 33 min
